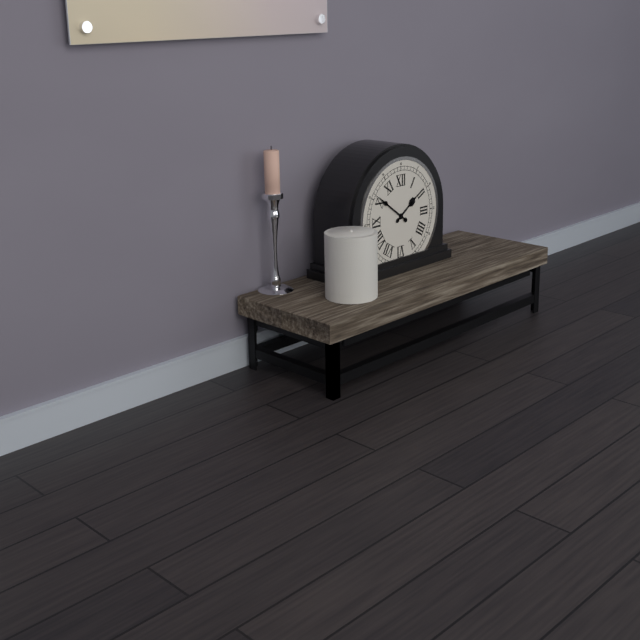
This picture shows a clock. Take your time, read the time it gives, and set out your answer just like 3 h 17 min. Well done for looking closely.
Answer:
1 h 51 min
